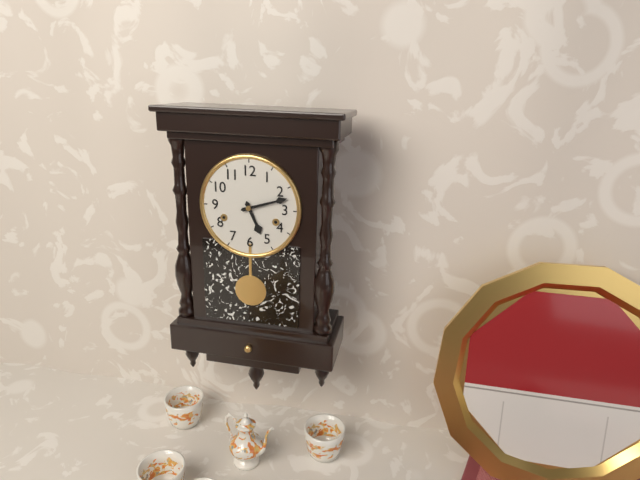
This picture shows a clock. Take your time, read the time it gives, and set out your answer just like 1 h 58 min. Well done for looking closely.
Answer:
5 h 12 min
